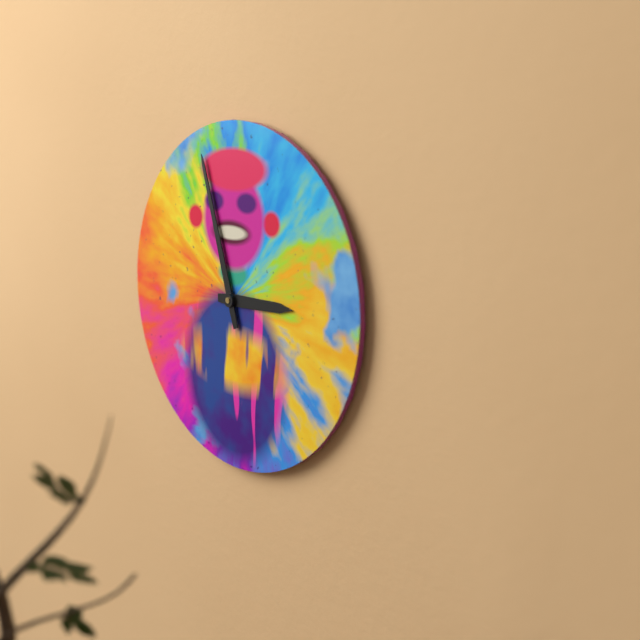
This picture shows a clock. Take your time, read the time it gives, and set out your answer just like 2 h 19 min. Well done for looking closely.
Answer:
2 h 57 min
